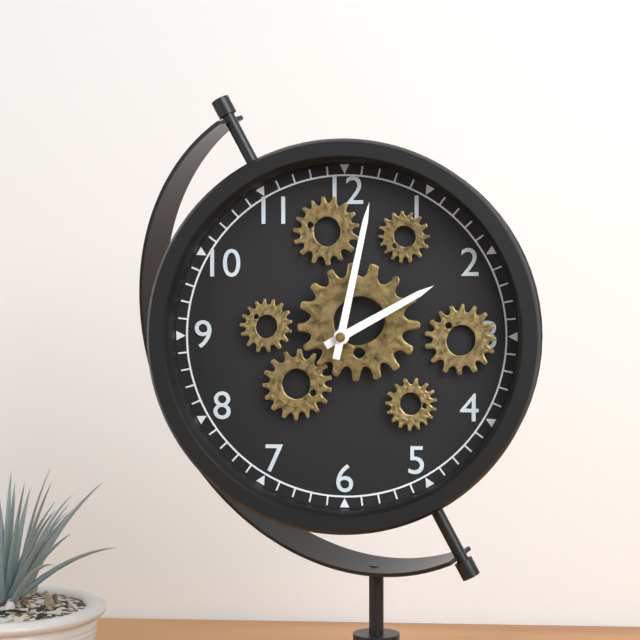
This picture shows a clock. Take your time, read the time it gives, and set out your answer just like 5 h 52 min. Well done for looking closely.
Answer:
2 h 02 min
